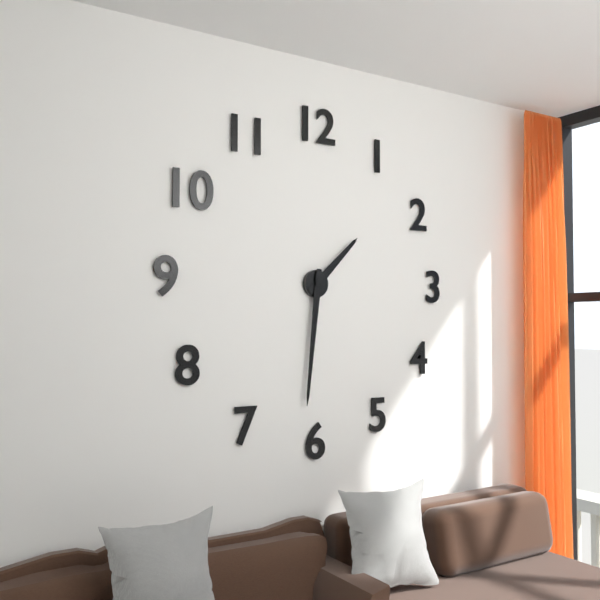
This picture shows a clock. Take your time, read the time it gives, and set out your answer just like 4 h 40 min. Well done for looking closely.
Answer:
1 h 31 min
